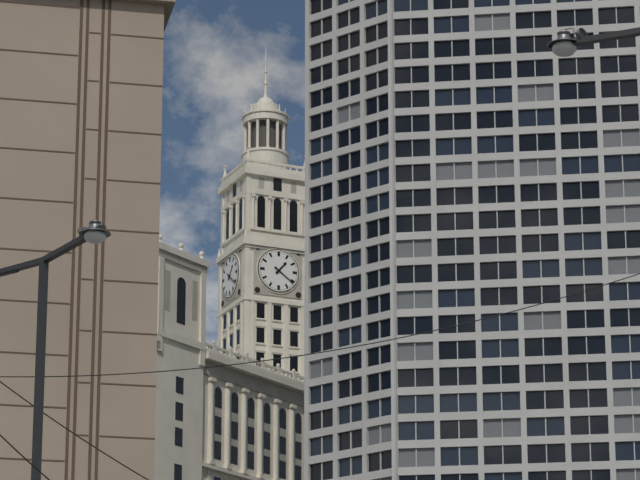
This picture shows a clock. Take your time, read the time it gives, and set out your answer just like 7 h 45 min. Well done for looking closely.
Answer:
1 h 21 min
